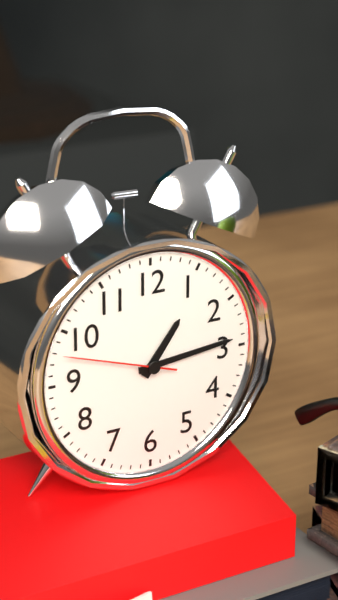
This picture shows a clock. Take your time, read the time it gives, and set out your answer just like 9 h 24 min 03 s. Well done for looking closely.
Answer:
1 h 14 min 48 s
